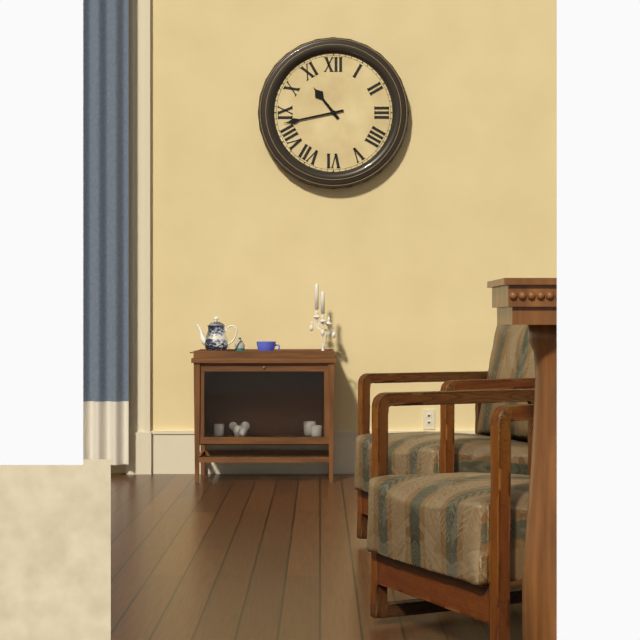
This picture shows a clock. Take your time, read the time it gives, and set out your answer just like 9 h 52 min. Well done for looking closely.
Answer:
10 h 43 min
